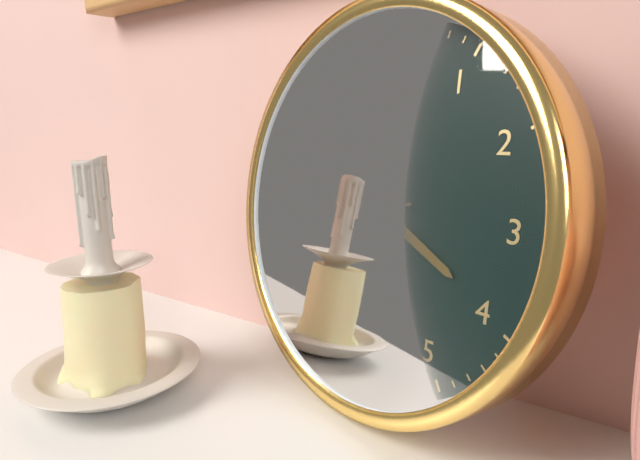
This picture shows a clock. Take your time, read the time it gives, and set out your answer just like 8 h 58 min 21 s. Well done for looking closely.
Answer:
3 h 55 min 42 s
